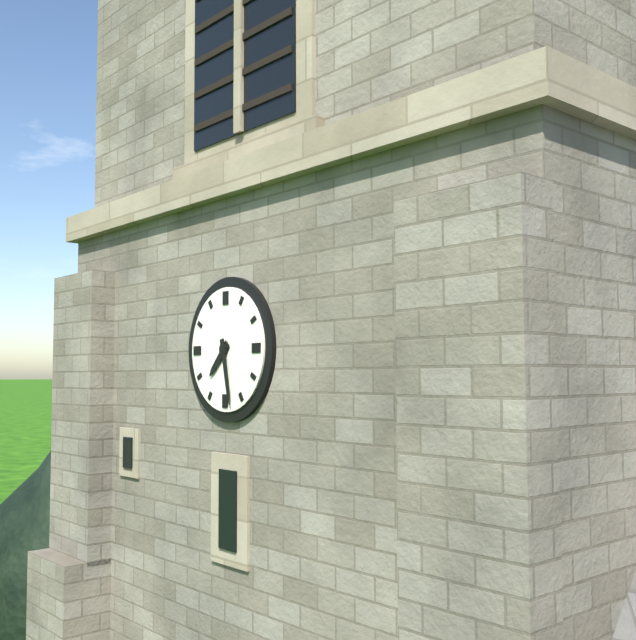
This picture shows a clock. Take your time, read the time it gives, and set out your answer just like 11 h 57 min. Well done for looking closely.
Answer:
7 h 28 min
